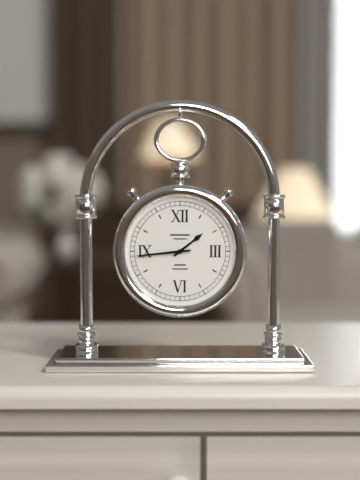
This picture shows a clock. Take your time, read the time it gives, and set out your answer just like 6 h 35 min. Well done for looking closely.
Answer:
1 h 44 min
